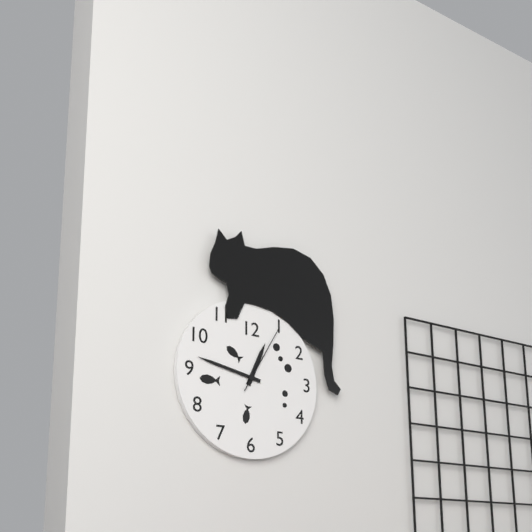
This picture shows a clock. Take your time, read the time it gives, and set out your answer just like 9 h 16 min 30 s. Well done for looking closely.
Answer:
12 h 47 min 05 s
